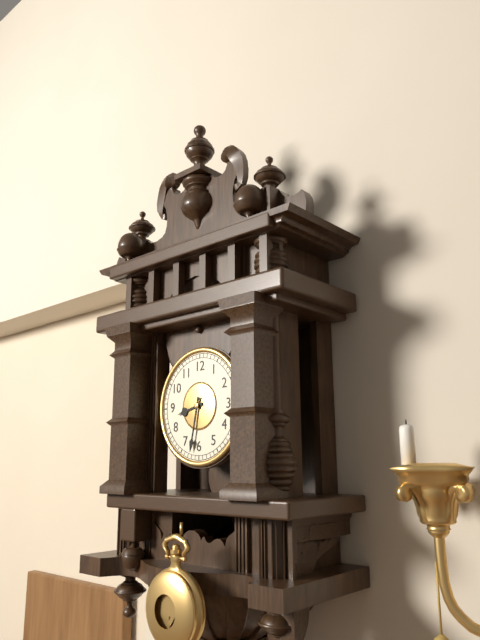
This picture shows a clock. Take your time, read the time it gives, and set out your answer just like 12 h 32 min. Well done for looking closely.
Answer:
8 h 32 min
